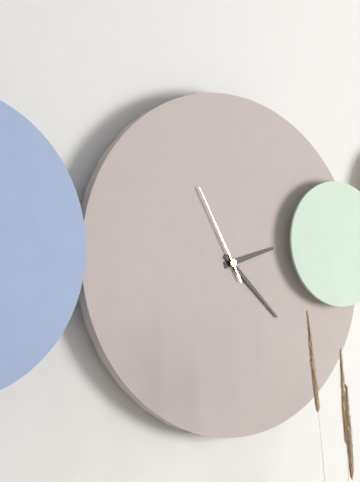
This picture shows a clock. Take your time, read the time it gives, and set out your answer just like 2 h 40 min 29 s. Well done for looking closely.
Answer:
2 h 22 min 55 s
